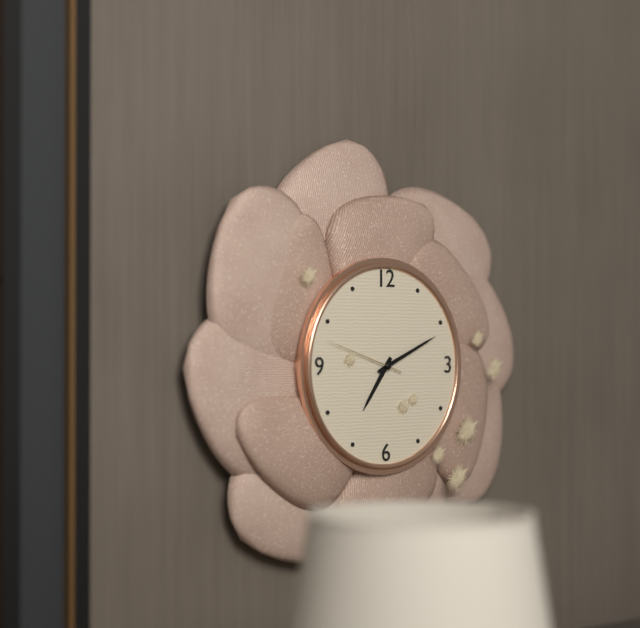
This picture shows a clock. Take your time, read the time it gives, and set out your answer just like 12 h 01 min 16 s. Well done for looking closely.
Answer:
7 h 11 min 48 s
